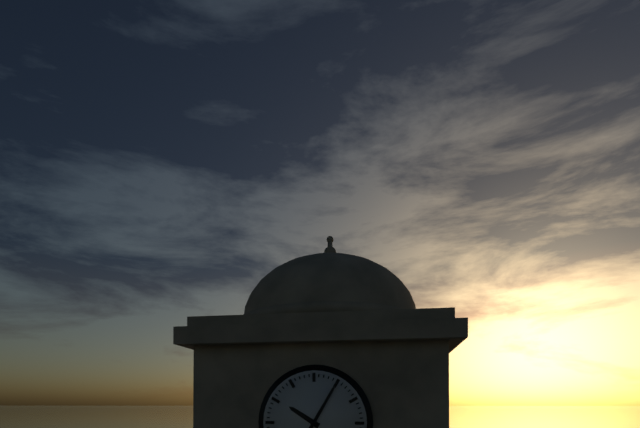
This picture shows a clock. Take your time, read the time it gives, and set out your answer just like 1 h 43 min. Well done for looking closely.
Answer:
10 h 05 min
